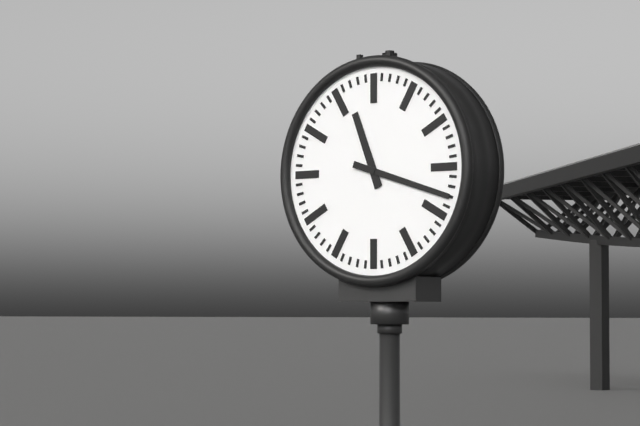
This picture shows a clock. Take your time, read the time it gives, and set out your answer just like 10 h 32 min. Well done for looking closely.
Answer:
11 h 18 min
